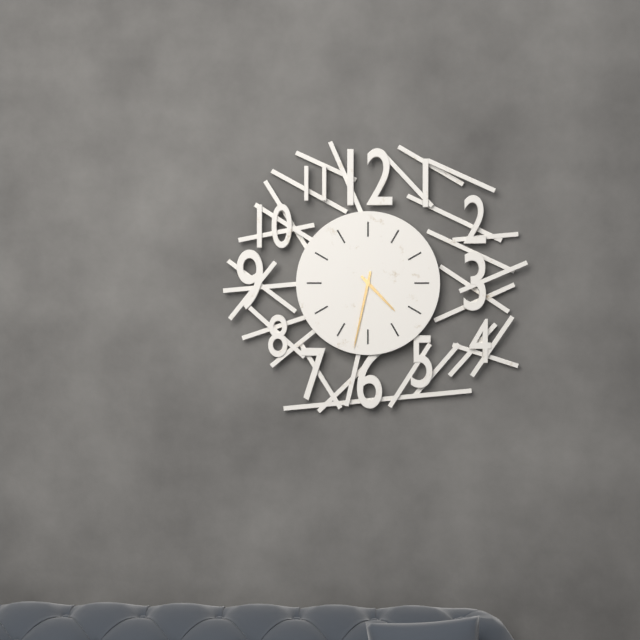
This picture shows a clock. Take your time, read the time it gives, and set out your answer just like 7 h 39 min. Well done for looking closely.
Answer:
4 h 32 min
